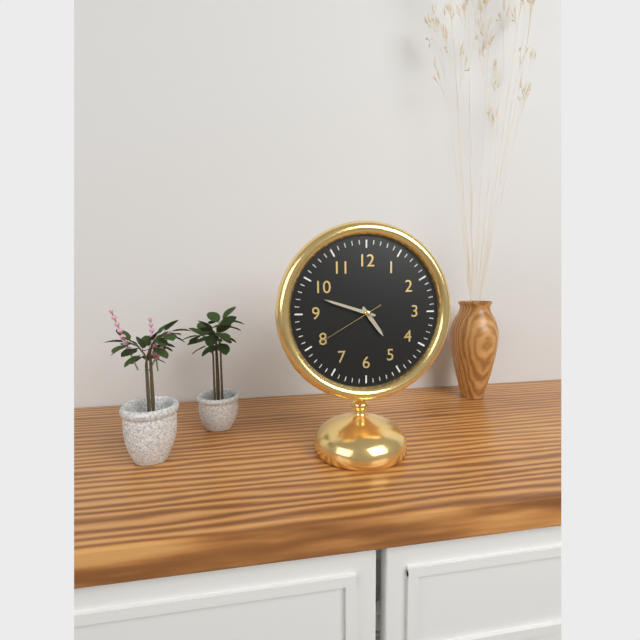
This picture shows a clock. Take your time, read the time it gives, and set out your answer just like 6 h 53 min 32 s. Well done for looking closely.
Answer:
4 h 48 min 40 s
